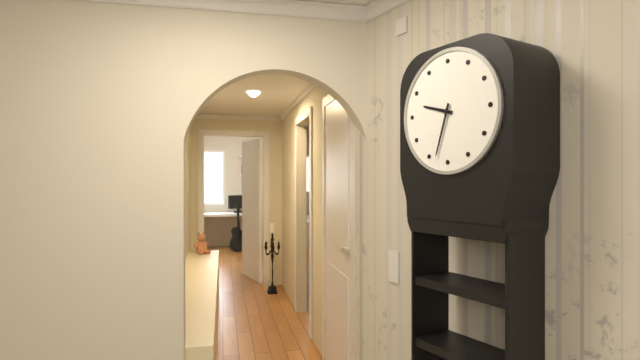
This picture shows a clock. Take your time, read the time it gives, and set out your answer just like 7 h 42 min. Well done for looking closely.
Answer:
9 h 33 min
